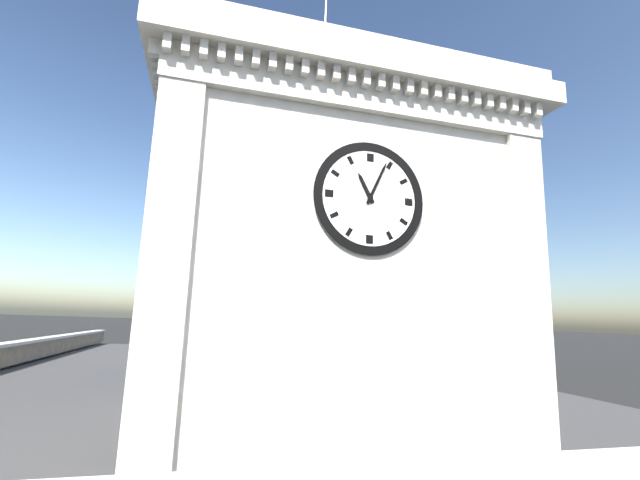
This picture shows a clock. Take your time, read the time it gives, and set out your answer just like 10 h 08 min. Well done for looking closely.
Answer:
11 h 04 min
